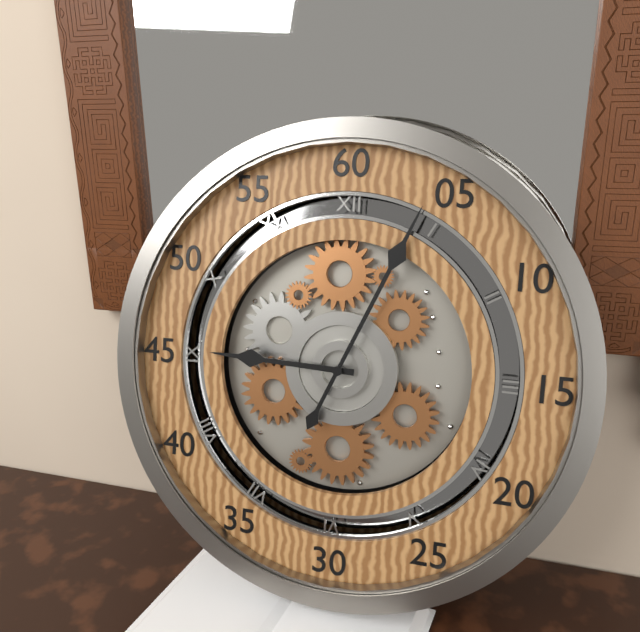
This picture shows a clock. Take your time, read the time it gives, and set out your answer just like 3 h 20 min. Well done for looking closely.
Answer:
9 h 04 min
